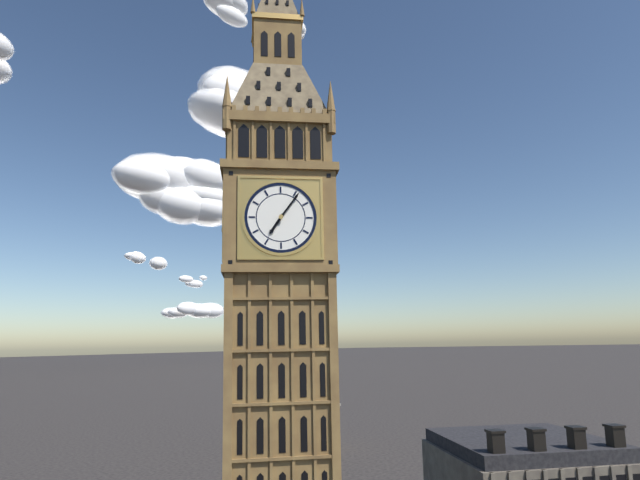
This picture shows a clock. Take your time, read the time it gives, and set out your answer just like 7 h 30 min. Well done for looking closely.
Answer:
7 h 06 min
